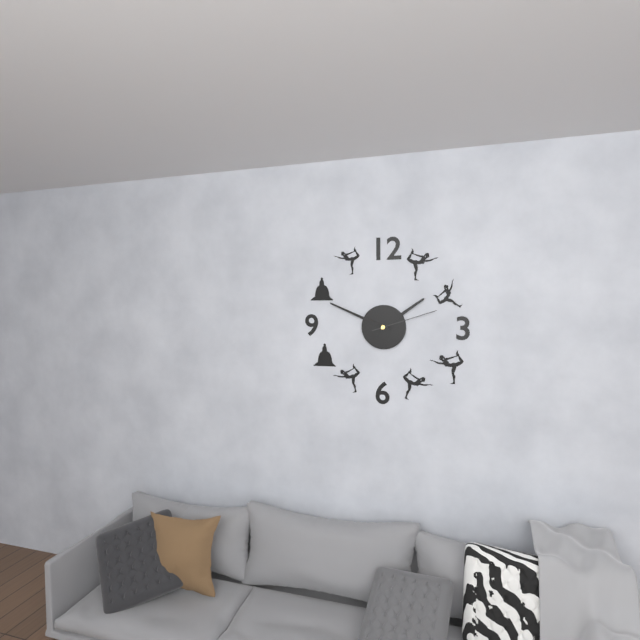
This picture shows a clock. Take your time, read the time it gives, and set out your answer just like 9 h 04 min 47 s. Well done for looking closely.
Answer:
1 h 49 min 12 s
